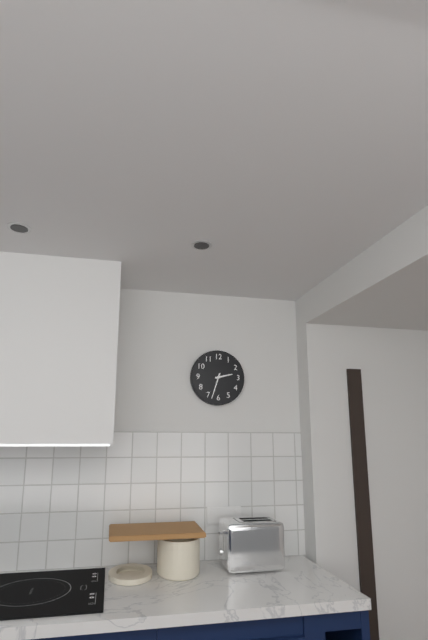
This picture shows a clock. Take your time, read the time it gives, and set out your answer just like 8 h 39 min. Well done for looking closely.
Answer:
2 h 33 min
